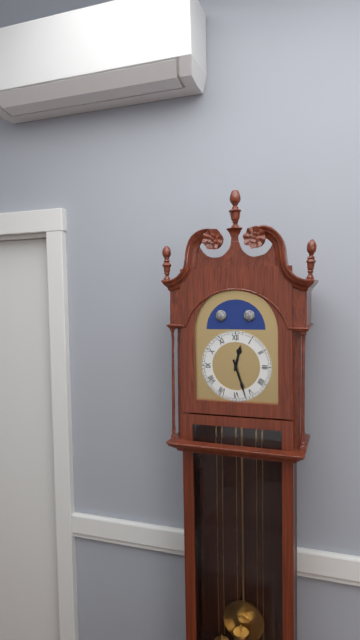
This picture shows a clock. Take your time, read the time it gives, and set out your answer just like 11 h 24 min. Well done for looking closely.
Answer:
12 h 27 min
